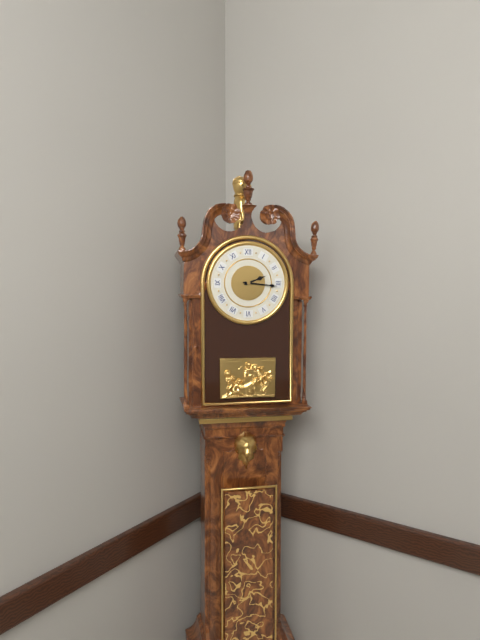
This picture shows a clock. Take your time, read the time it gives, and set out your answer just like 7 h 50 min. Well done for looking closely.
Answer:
2 h 16 min
